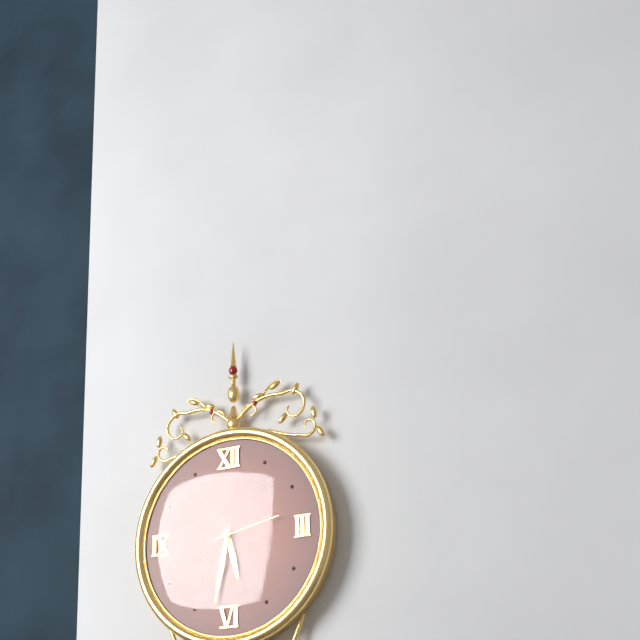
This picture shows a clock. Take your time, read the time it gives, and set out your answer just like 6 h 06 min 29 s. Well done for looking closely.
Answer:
5 h 32 min 13 s
